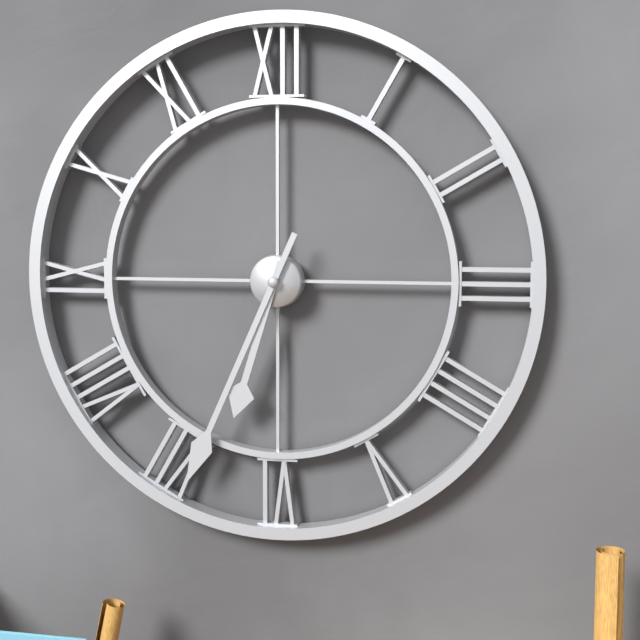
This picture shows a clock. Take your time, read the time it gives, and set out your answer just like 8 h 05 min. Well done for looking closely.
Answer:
6 h 34 min
